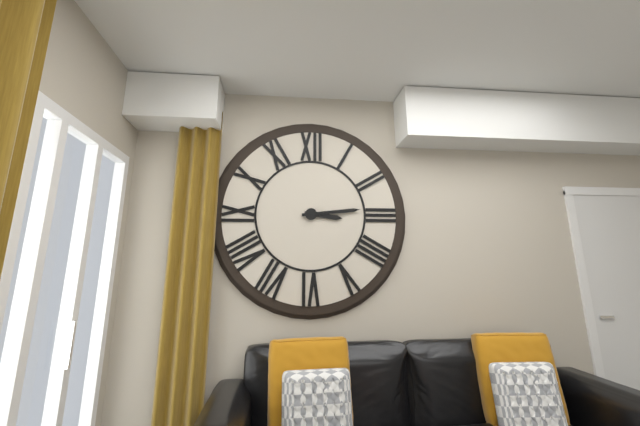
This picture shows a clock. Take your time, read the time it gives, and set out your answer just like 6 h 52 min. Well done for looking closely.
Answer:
3 h 14 min
